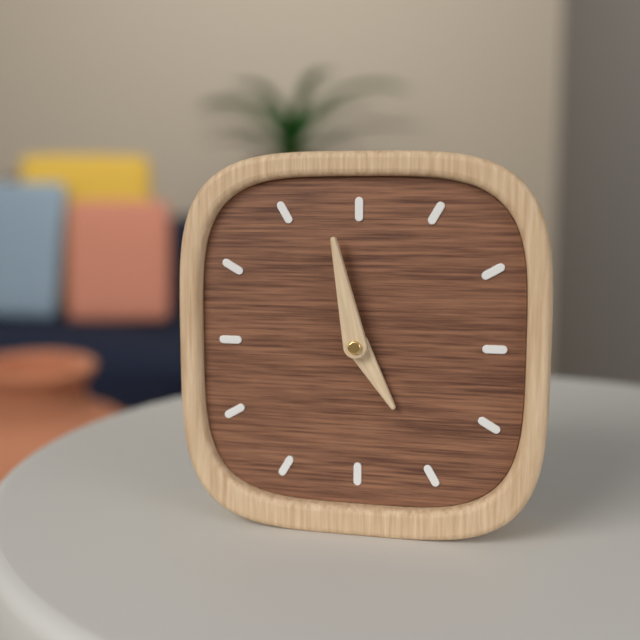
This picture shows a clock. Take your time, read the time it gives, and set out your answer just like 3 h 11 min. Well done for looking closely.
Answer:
4 h 58 min
